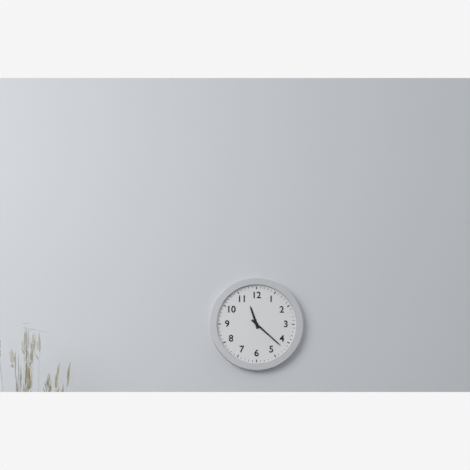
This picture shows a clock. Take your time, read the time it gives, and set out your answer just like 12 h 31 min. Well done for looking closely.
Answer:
11 h 22 min
